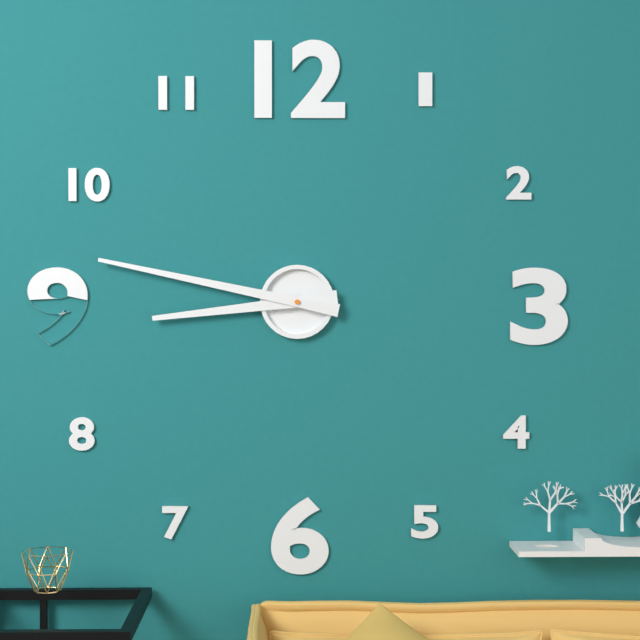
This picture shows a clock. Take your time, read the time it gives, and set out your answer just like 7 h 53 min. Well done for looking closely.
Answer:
8 h 47 min
